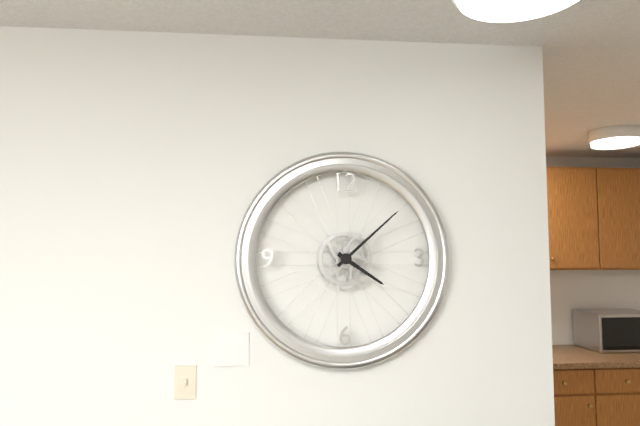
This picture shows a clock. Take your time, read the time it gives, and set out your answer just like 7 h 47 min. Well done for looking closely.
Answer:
4 h 08 min
